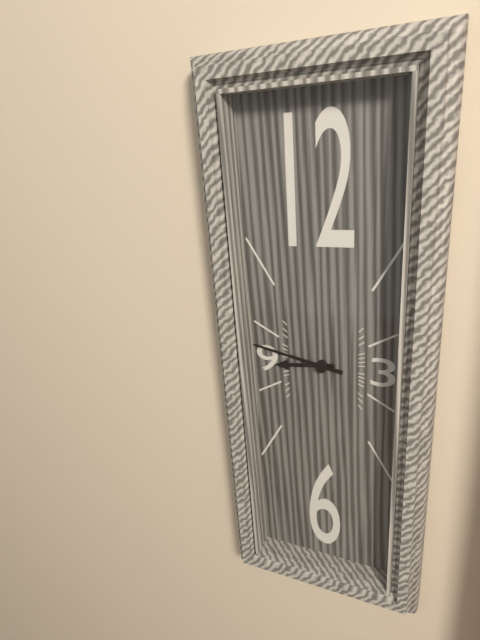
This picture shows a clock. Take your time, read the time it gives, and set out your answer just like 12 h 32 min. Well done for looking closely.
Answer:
8 h 47 min
